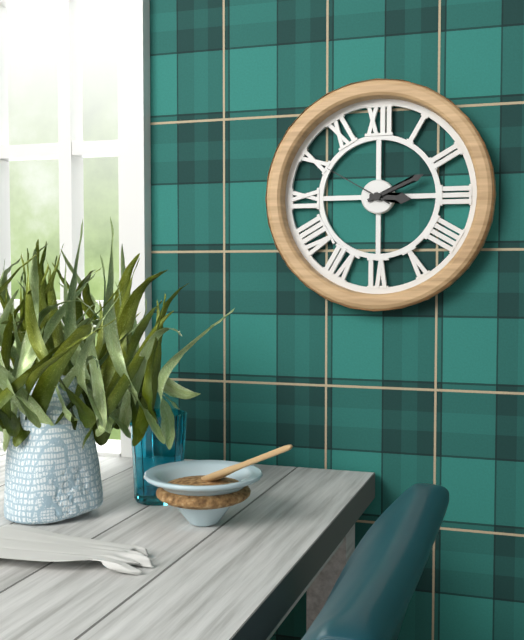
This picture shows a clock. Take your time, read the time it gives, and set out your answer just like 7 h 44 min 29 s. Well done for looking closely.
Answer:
3 h 11 min 50 s
